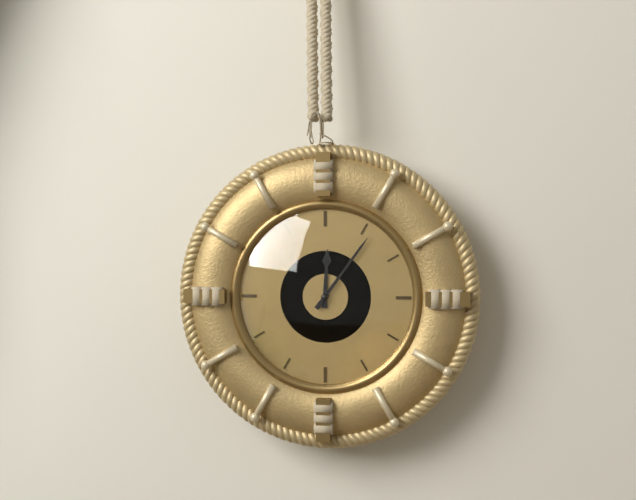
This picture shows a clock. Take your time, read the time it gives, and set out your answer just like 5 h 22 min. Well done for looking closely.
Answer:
12 h 06 min
